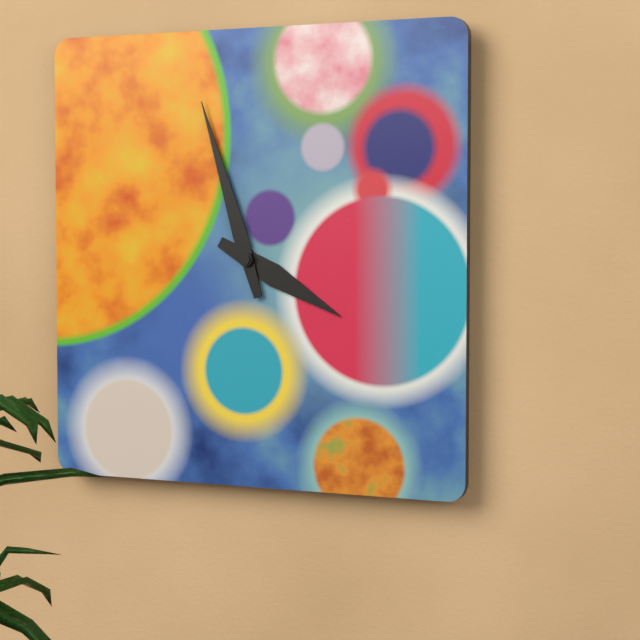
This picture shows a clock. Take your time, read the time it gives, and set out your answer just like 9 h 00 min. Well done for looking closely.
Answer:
3 h 57 min
